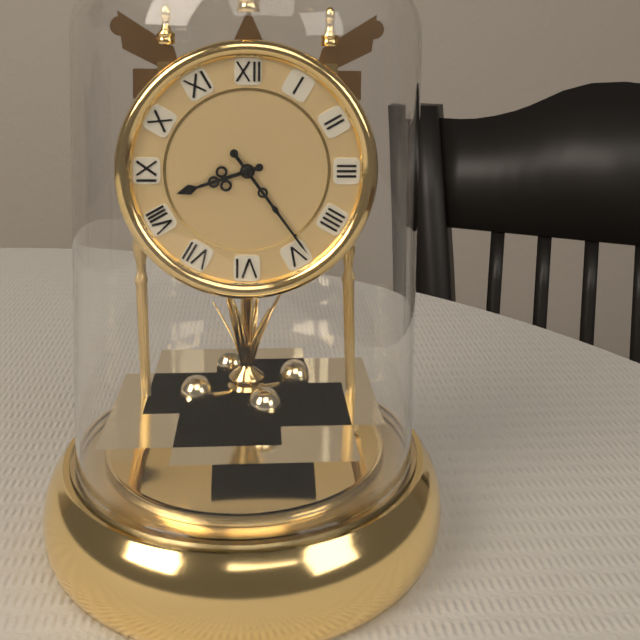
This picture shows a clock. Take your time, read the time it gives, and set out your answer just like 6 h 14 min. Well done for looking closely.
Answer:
8 h 24 min
